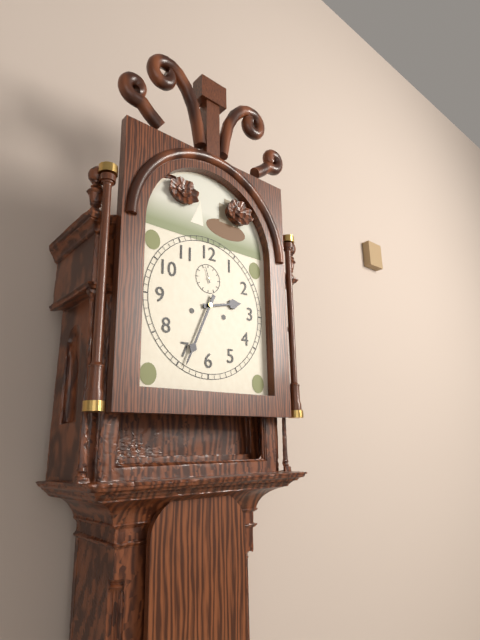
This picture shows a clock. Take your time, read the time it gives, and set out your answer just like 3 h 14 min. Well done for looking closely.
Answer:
2 h 34 min
